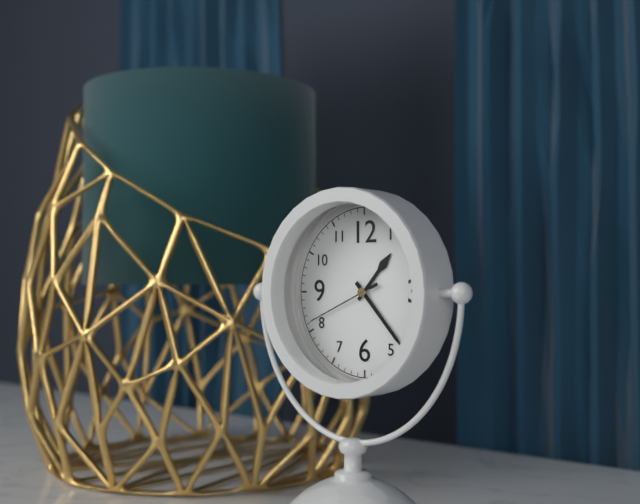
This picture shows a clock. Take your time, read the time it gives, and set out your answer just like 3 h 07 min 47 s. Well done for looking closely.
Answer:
1 h 23 min 41 s
